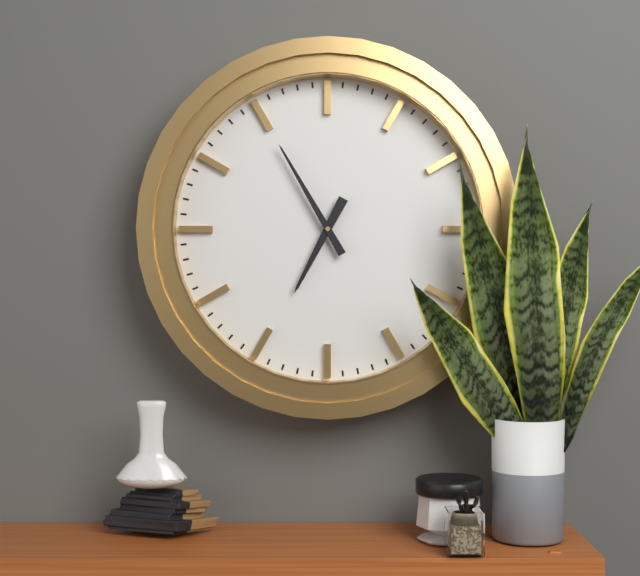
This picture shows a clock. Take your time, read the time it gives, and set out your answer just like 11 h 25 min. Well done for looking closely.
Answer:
6 h 55 min
